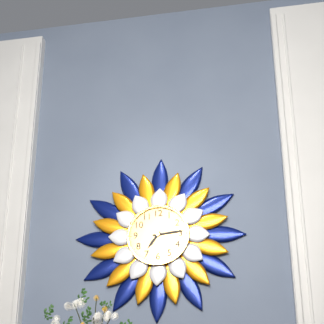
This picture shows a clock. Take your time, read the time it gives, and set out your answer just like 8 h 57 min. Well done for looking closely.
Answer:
7 h 14 min
